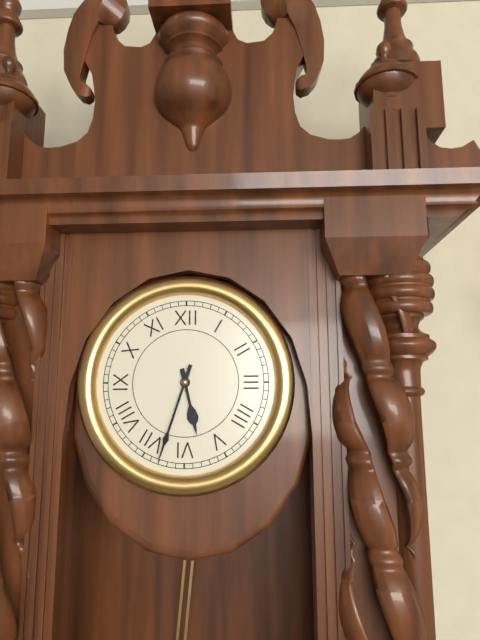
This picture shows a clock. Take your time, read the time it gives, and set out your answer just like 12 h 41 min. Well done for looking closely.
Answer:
5 h 33 min
